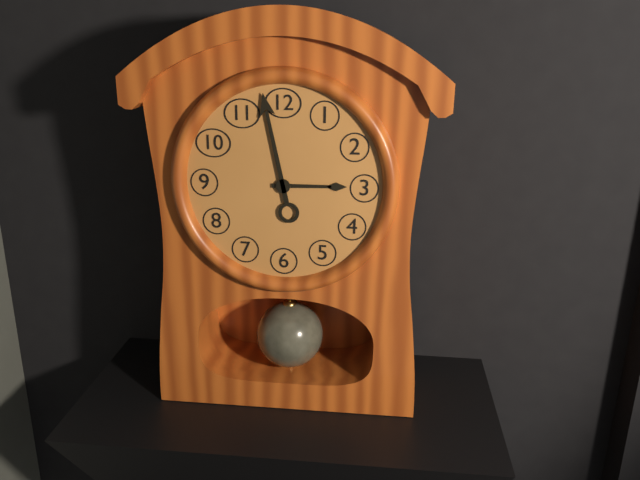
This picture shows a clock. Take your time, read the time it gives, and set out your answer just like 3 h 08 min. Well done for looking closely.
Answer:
2 h 58 min
